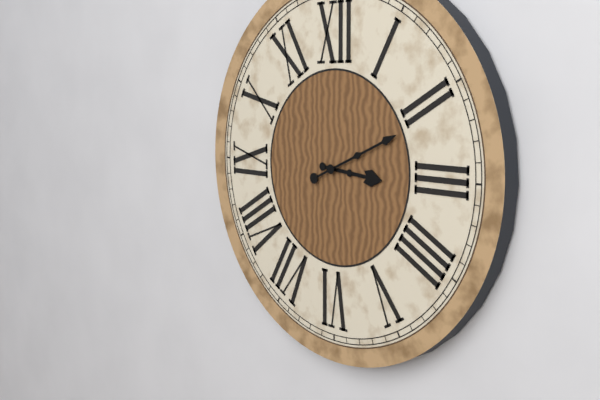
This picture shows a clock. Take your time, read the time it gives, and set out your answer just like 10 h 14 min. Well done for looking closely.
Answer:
3 h 11 min
